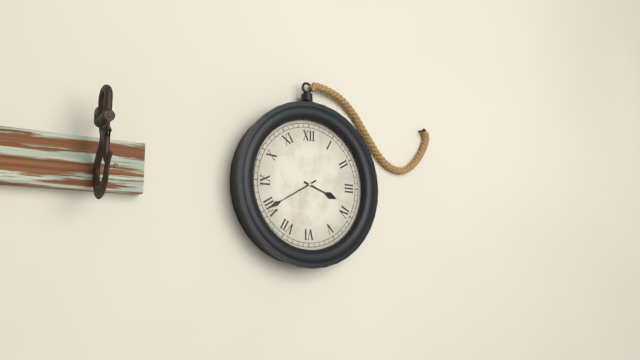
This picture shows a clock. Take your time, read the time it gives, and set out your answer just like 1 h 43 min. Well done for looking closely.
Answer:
3 h 40 min
